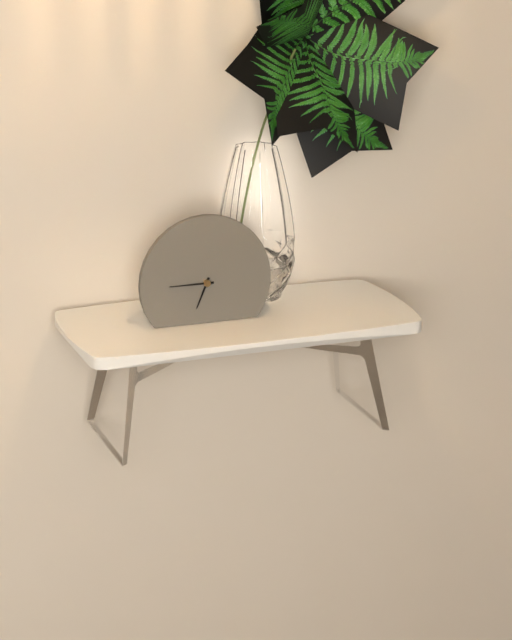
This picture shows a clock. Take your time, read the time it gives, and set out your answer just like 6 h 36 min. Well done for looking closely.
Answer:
6 h 45 min
